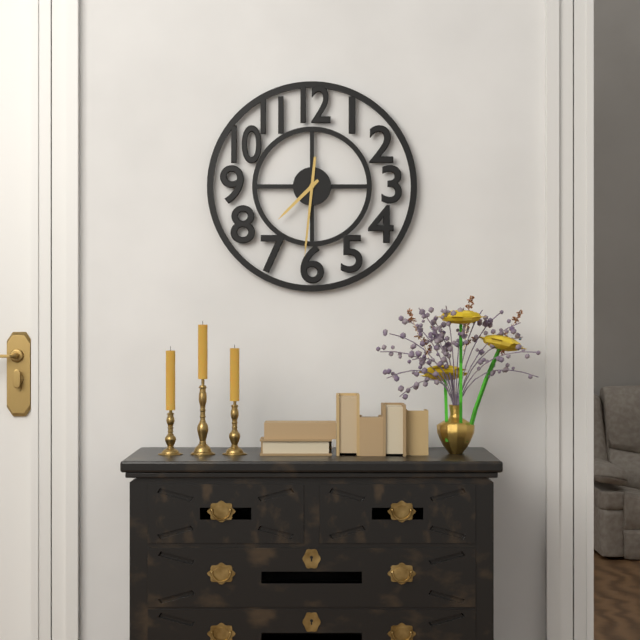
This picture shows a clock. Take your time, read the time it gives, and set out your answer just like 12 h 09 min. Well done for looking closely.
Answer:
7 h 31 min
